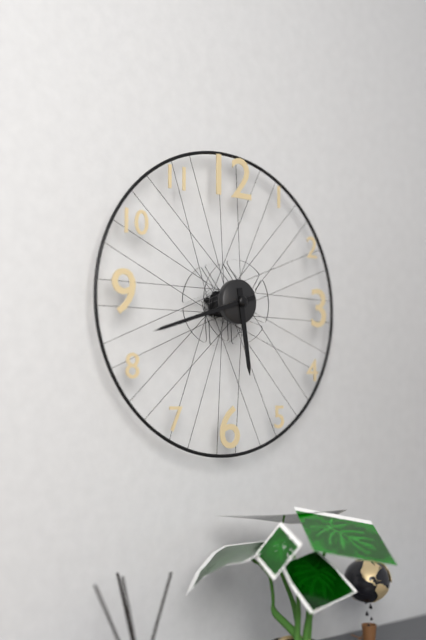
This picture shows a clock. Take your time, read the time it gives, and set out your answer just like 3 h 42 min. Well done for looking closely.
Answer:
5 h 42 min
